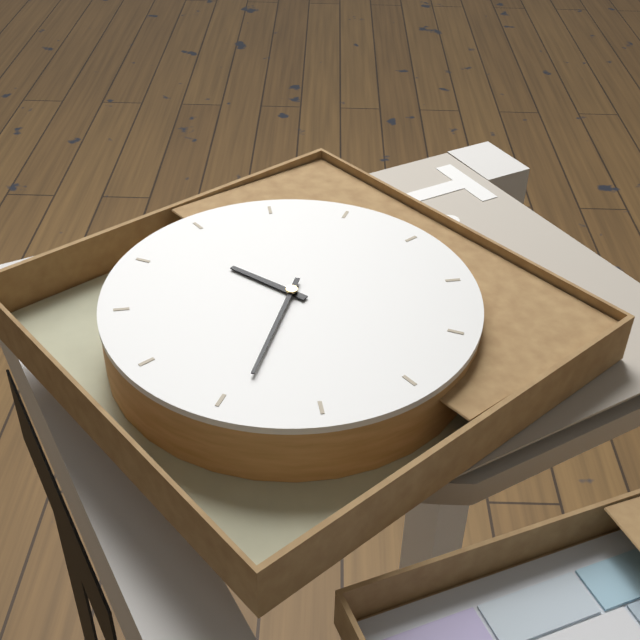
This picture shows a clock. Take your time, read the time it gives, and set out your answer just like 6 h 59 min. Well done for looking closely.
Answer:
9 h 29 min
